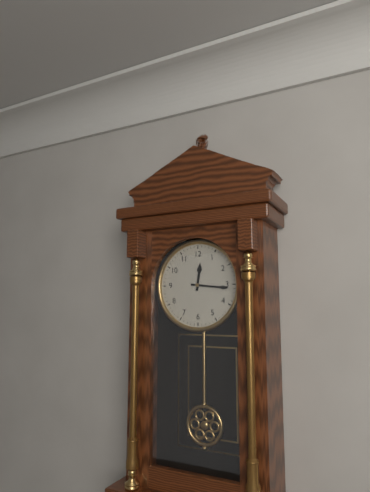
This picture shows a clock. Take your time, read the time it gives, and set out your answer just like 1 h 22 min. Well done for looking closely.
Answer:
12 h 16 min
